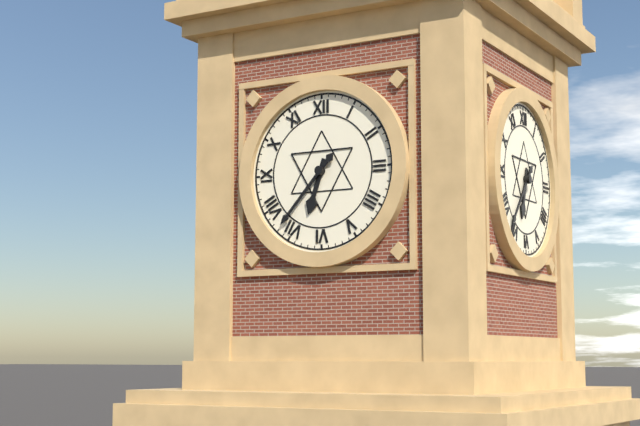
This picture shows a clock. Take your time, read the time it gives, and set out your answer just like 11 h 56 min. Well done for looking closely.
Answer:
6 h 37 min
